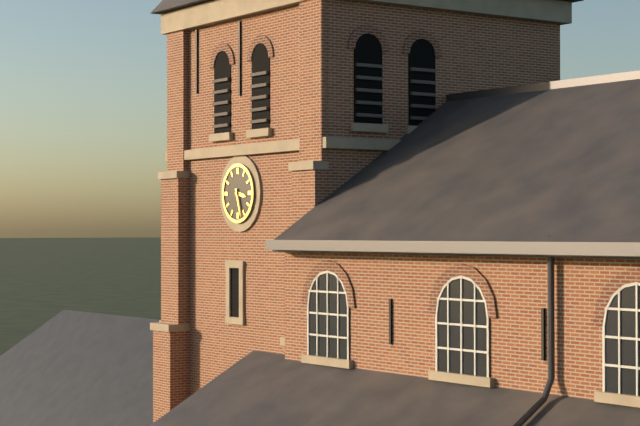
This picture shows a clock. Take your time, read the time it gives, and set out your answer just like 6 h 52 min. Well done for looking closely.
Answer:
3 h 27 min
